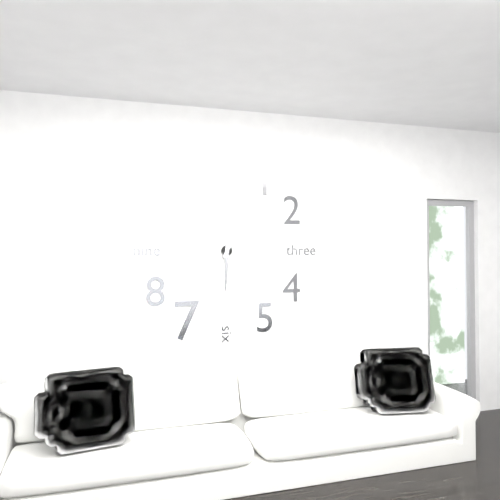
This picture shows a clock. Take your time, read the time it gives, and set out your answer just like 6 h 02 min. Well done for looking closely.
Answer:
6 h 05 min
